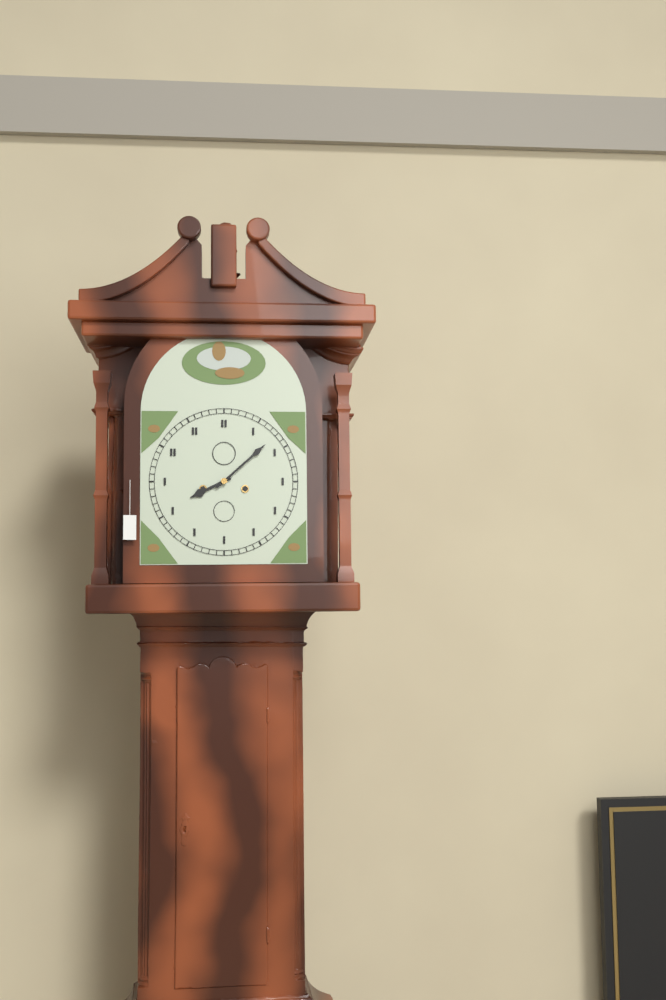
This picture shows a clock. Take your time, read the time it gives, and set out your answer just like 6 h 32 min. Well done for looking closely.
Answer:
8 h 08 min
